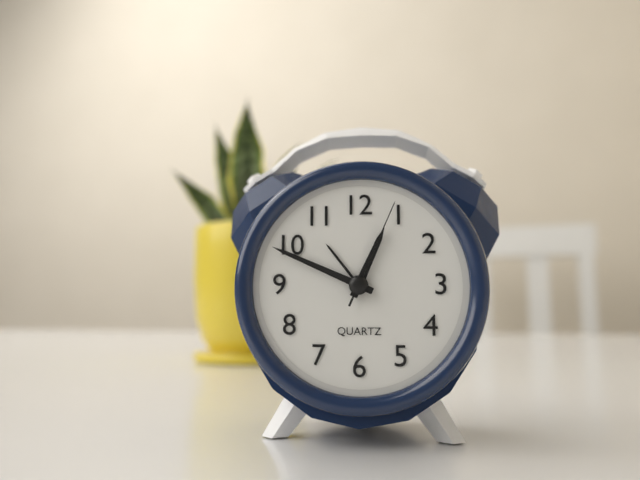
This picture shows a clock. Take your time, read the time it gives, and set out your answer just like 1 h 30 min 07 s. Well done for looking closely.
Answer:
12 h 49 min 04 s
